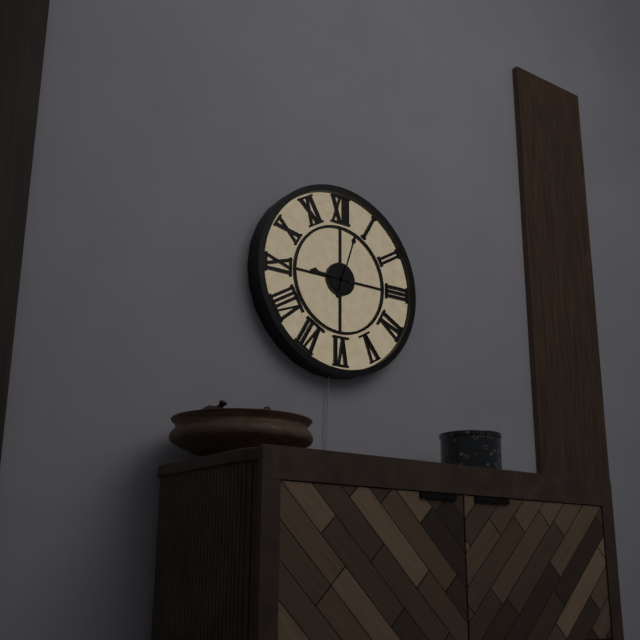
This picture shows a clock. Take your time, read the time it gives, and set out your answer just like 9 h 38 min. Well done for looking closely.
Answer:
9 h 03 min
